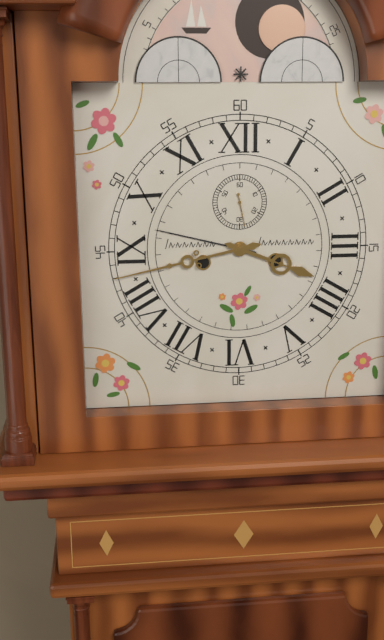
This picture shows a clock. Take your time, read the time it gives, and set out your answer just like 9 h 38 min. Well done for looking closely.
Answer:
3 h 43 min
